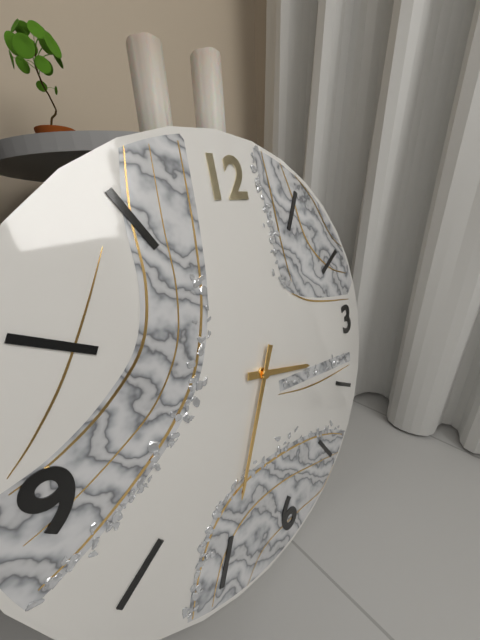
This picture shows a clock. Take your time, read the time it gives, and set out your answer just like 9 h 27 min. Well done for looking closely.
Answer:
3 h 35 min
